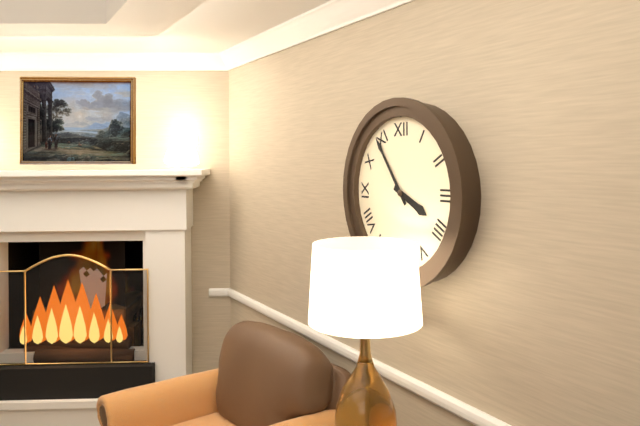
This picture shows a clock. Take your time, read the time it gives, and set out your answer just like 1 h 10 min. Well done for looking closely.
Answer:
3 h 54 min
